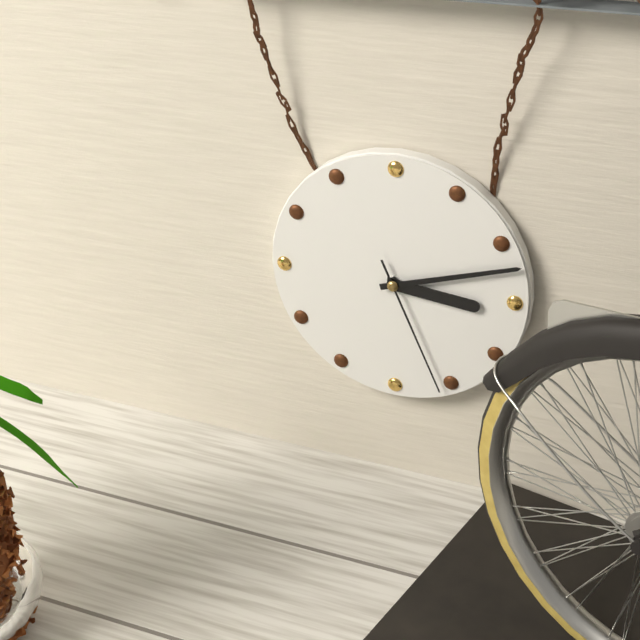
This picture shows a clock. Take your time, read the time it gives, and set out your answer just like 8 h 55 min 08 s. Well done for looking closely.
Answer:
3 h 12 min 26 s
